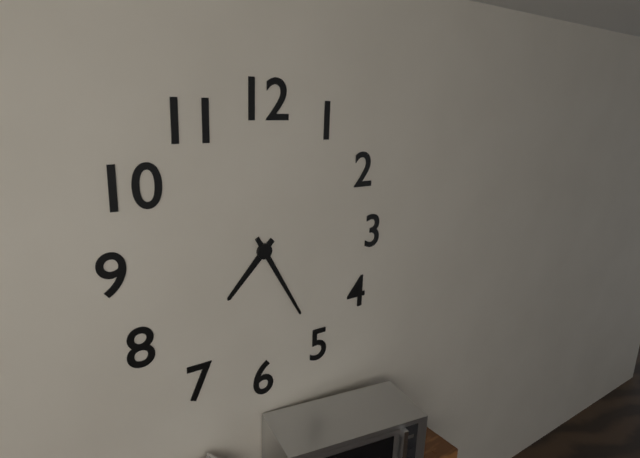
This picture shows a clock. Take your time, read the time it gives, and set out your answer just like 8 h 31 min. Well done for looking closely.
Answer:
7 h 25 min
